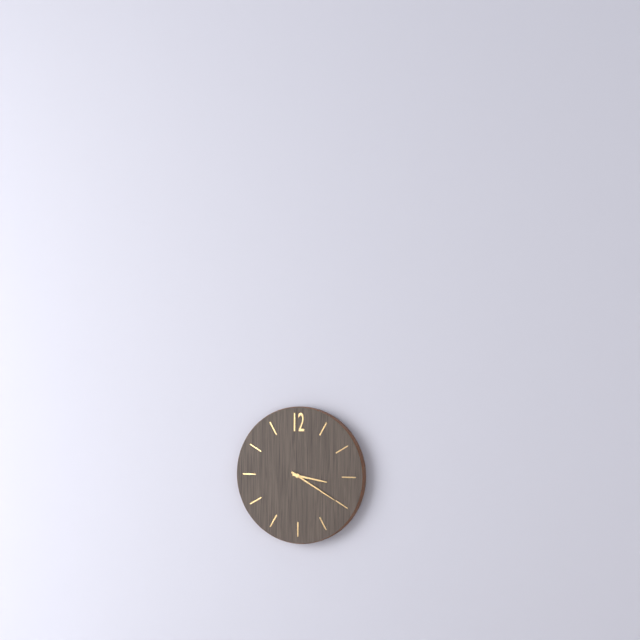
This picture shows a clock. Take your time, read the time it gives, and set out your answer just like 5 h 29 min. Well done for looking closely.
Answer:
3 h 20 min
